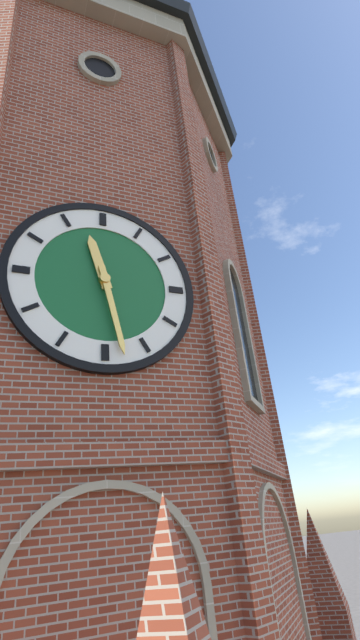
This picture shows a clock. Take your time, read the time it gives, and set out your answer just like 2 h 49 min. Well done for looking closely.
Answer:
11 h 28 min
